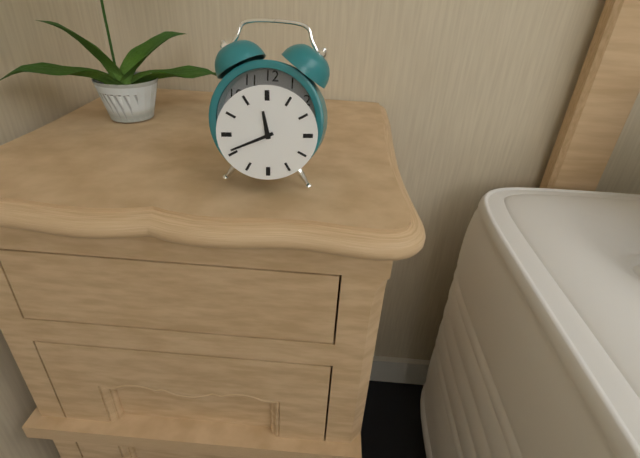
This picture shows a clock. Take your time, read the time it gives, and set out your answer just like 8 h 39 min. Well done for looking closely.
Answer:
11 h 41 min
